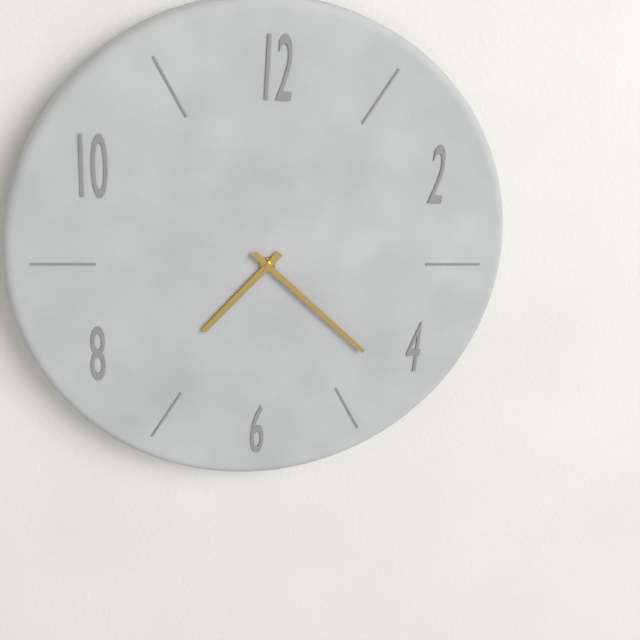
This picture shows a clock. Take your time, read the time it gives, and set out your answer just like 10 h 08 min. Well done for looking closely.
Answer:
7 h 22 min
